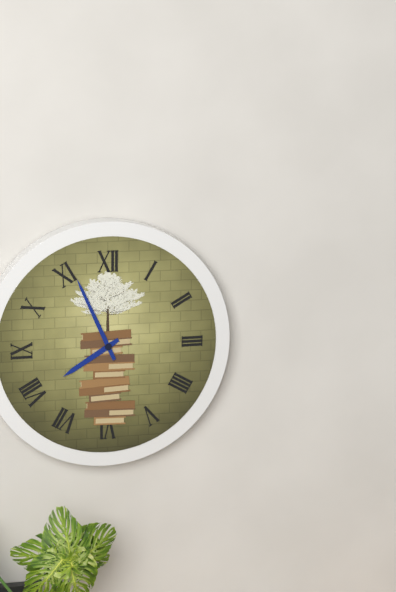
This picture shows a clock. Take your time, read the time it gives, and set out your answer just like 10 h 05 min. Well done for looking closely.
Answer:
7 h 56 min
